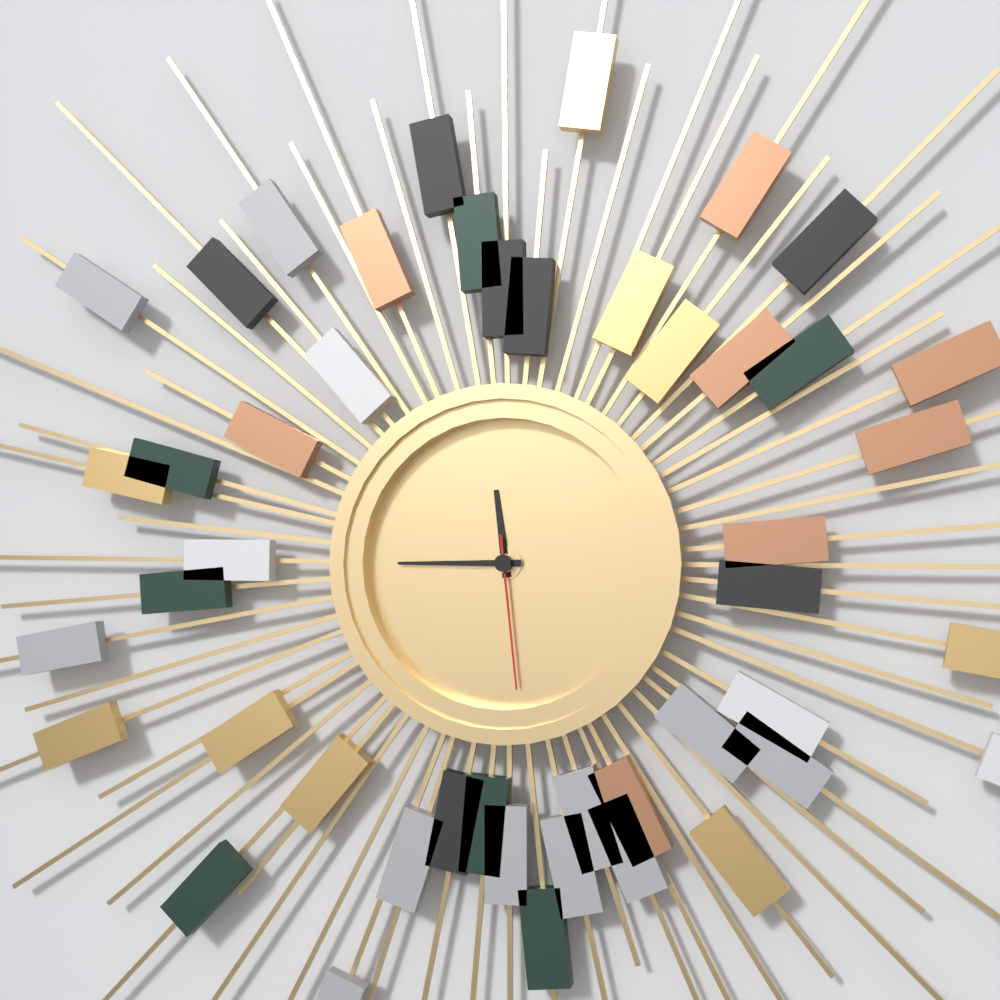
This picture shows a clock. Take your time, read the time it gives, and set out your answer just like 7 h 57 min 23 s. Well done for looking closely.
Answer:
11 h 45 min 29 s
